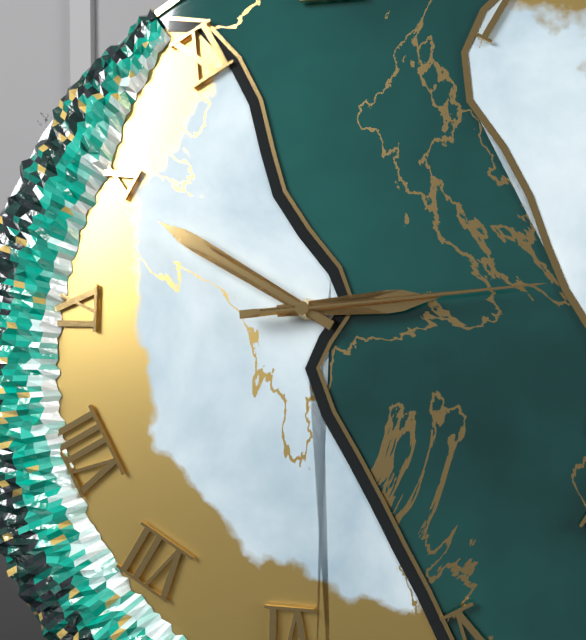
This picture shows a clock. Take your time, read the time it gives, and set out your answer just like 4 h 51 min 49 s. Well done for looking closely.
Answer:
2 h 50 min 14 s
